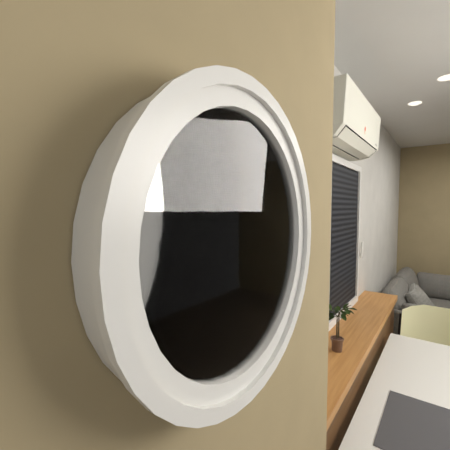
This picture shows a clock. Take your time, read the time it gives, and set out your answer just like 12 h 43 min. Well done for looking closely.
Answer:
4 h 31 min
